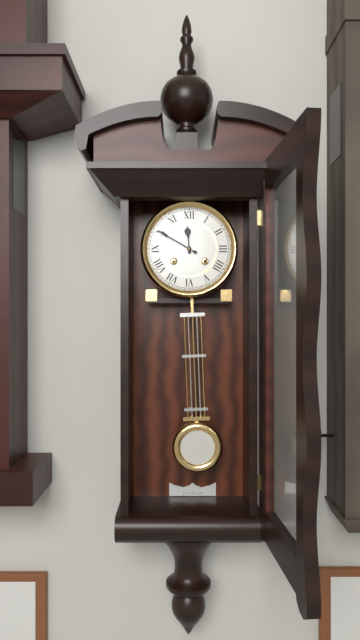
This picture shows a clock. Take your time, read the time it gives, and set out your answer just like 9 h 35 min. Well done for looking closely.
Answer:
11 h 50 min
